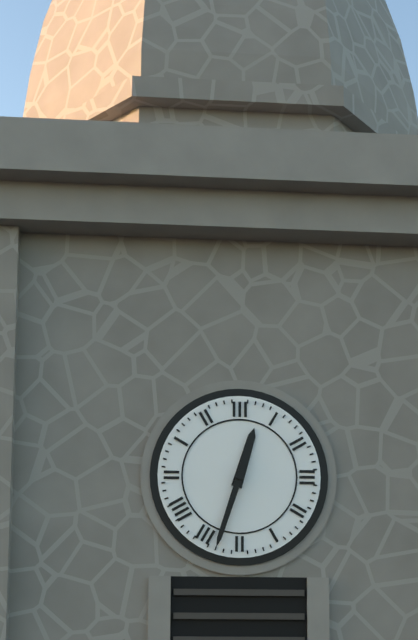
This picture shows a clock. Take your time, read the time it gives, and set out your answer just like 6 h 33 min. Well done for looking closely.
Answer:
12 h 33 min
